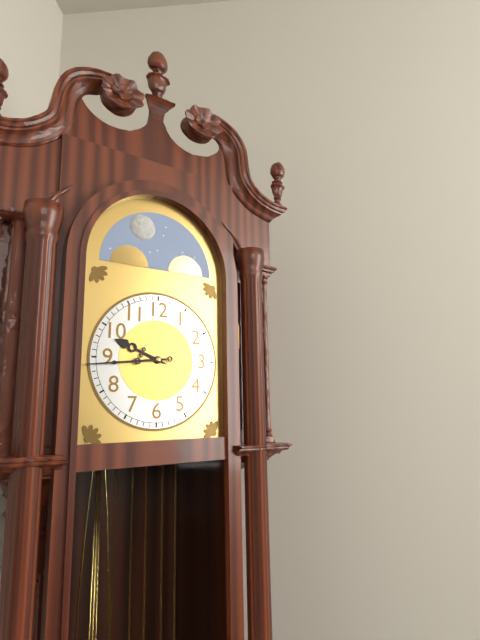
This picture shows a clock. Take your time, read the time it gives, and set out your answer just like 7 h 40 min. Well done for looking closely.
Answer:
9 h 44 min
